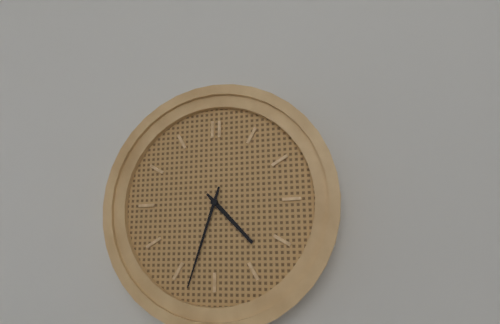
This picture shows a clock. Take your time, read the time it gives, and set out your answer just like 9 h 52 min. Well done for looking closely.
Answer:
4 h 33 min
